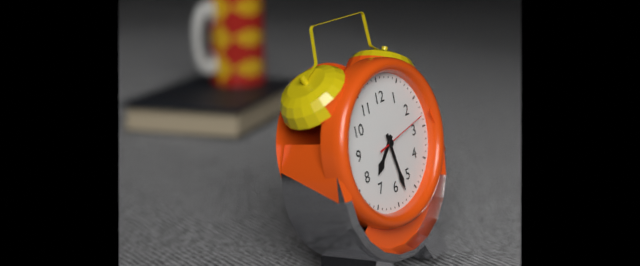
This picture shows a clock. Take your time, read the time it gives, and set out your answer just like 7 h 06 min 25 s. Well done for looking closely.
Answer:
7 h 28 min 13 s
